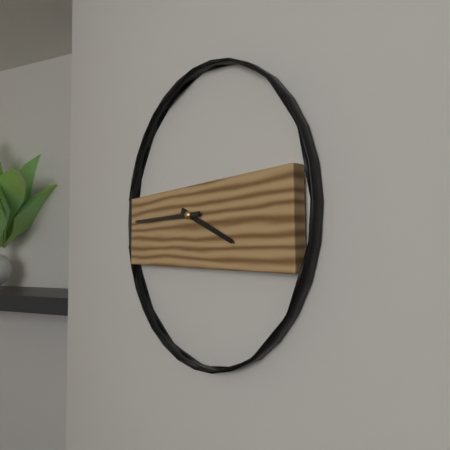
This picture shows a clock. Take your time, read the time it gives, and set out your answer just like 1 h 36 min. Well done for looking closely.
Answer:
3 h 45 min
